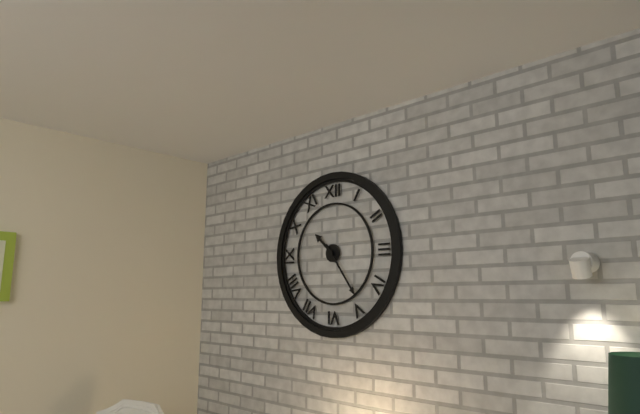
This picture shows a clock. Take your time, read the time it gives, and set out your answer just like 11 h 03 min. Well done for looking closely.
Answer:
10 h 24 min
